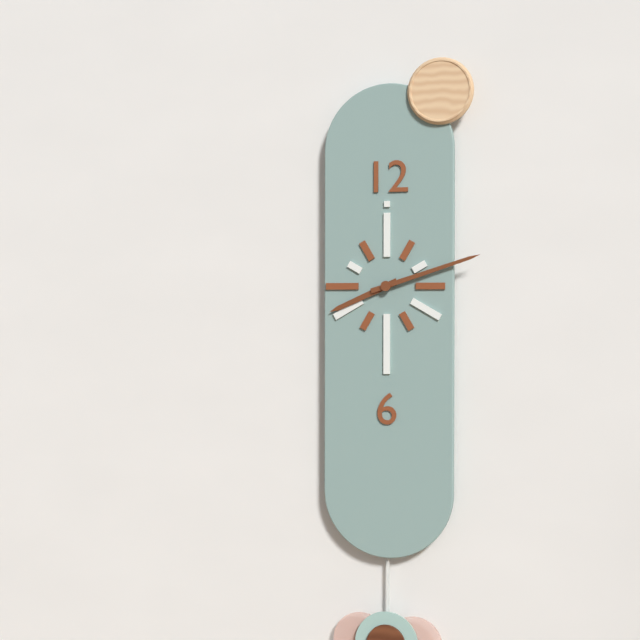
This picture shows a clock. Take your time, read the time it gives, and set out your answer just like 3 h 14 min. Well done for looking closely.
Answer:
8 h 12 min
